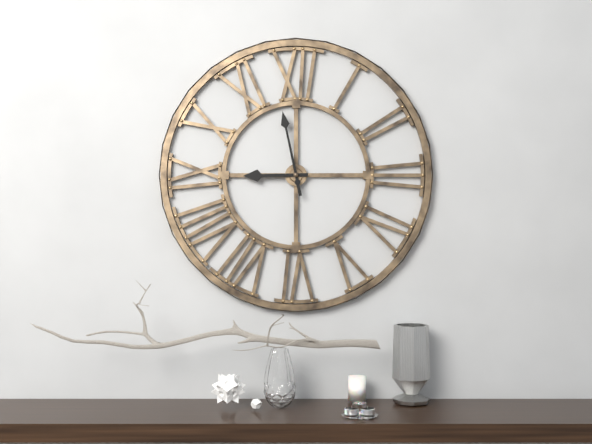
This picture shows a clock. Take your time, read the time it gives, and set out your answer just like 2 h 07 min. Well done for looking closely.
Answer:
8 h 58 min
